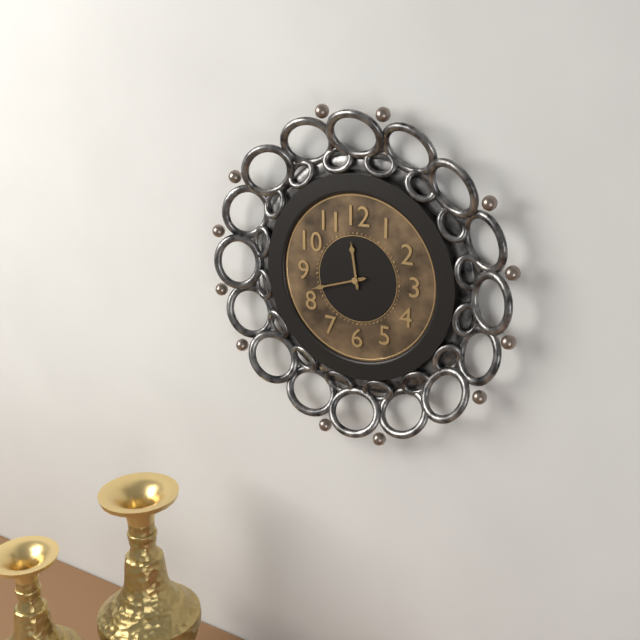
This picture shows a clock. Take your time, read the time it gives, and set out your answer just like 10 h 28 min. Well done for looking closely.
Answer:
11 h 42 min
